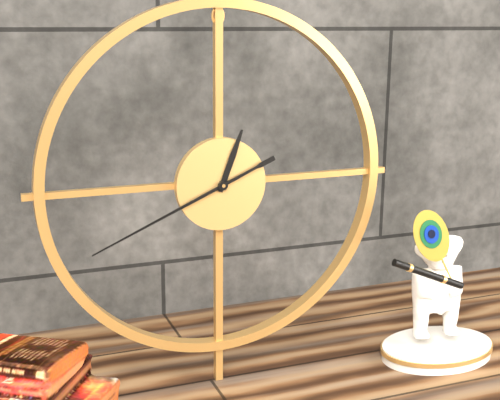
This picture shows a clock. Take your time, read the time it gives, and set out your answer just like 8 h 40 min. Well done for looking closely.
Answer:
12 h 41 min
